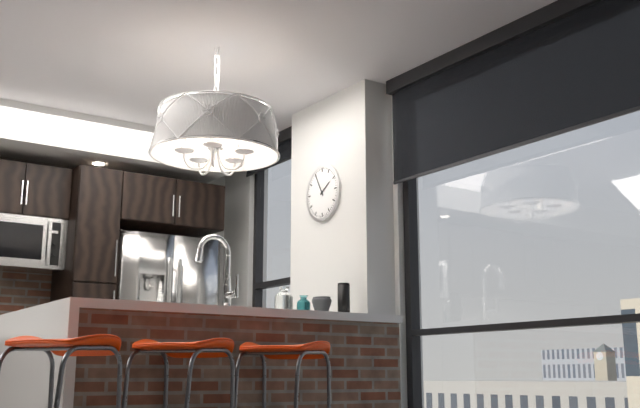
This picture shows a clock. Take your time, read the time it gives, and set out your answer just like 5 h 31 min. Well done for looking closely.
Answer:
1 h 55 min
